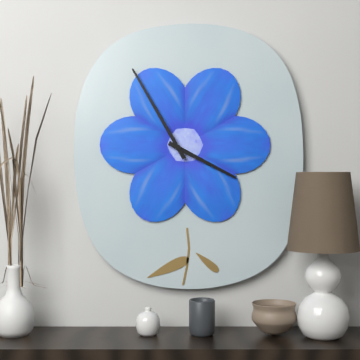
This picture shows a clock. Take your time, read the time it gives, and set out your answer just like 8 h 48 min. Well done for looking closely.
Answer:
3 h 55 min
